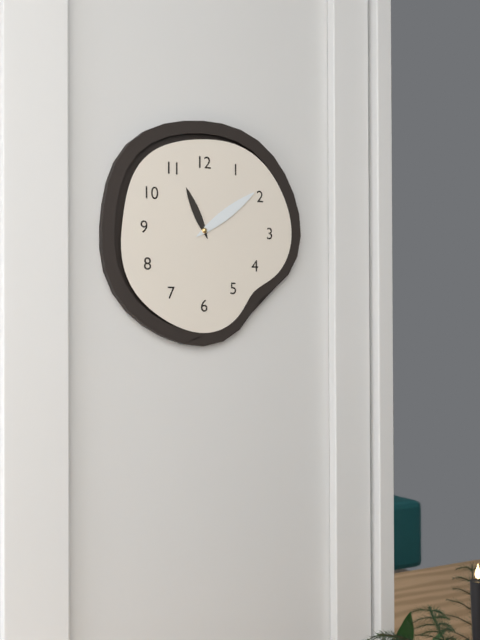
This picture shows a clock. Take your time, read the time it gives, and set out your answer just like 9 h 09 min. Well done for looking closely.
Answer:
11 h 09 min
